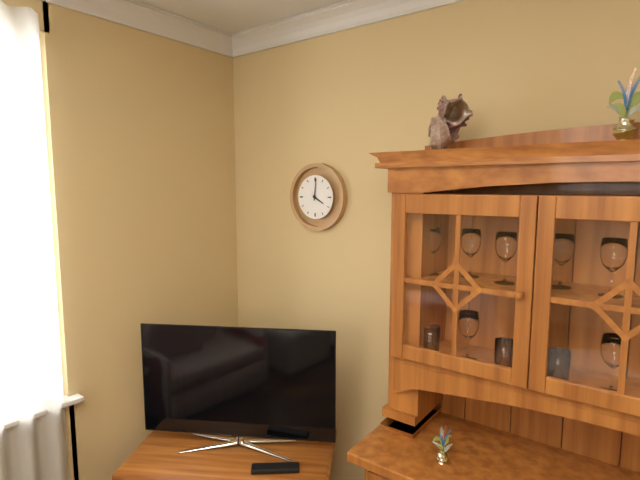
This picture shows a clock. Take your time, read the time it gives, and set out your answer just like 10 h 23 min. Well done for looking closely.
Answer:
4 h 01 min
